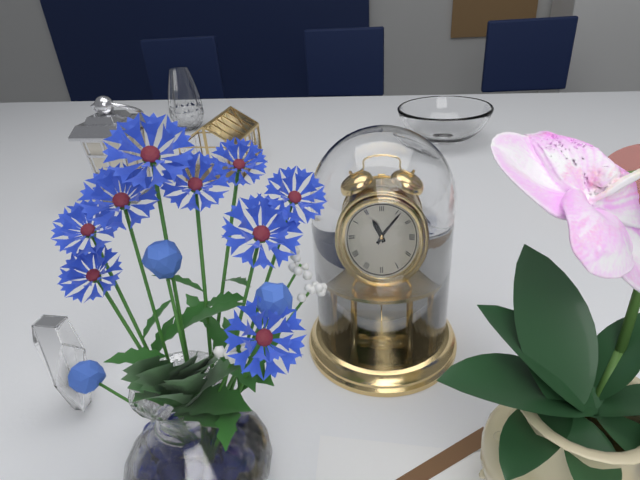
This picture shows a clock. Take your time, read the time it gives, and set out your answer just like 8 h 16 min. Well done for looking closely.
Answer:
11 h 06 min
